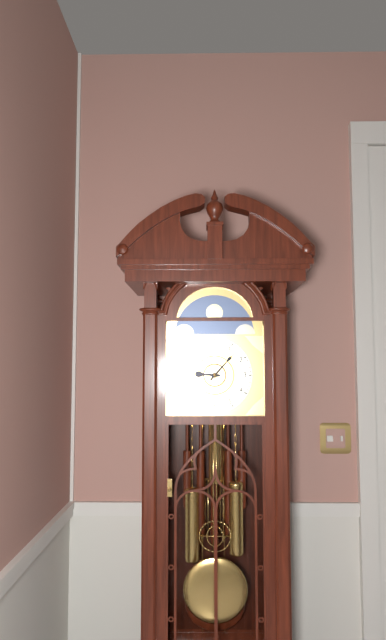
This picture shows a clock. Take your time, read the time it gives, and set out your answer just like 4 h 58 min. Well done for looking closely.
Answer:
9 h 07 min
